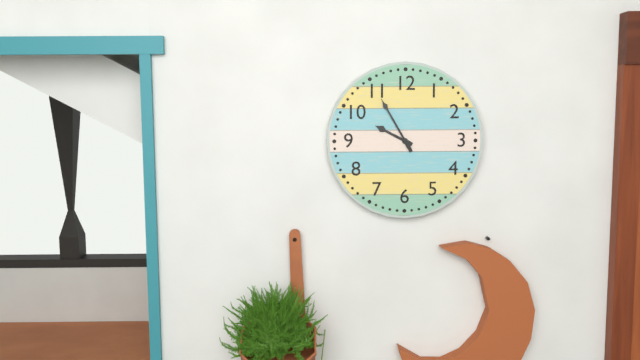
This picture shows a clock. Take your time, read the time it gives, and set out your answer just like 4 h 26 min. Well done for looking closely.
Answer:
9 h 55 min
